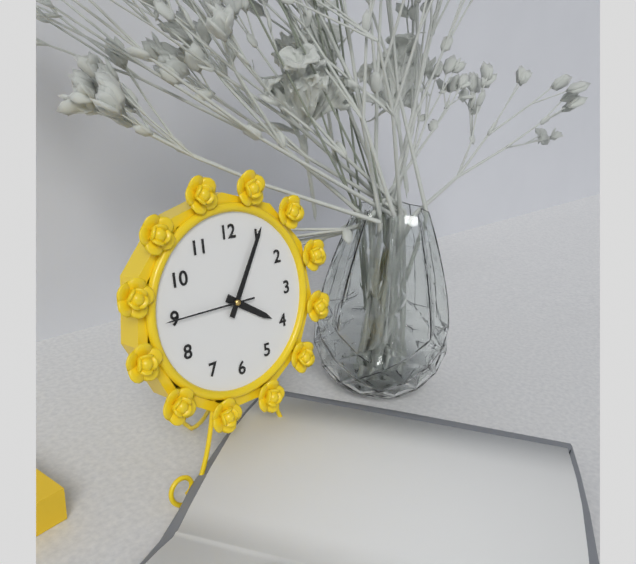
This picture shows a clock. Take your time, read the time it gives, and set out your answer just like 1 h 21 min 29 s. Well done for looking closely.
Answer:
4 h 05 min 45 s
